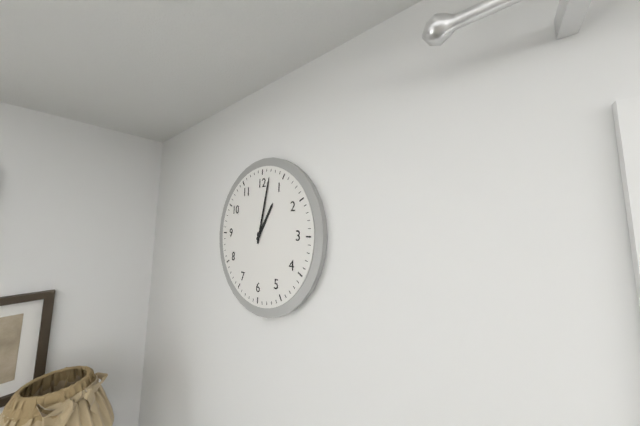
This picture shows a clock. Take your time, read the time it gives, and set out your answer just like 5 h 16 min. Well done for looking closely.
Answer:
1 h 02 min
